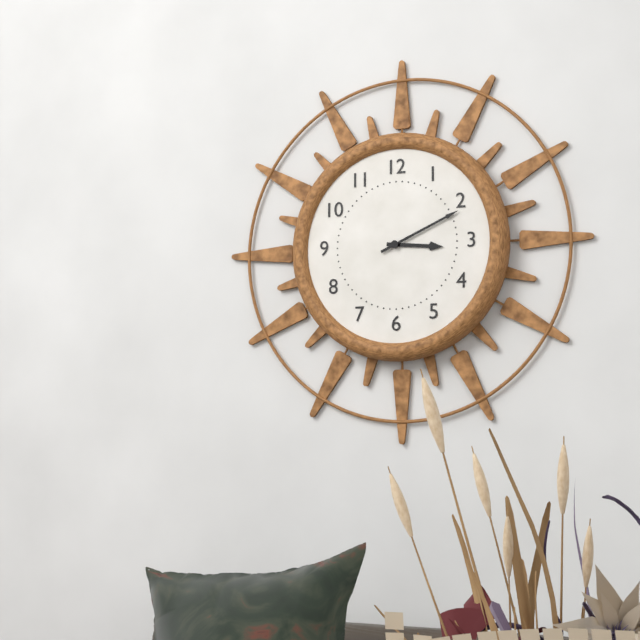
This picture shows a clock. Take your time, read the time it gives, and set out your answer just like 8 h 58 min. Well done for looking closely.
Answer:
3 h 11 min
